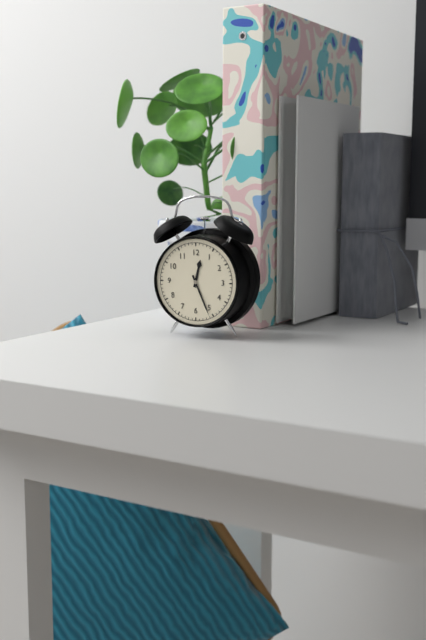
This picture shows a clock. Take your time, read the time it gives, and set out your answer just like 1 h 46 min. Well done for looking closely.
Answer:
12 h 26 min
